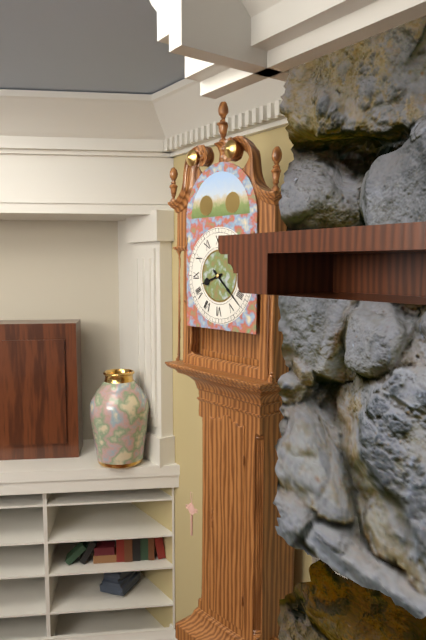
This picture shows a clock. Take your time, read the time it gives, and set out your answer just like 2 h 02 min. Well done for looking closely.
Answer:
8 h 22 min
